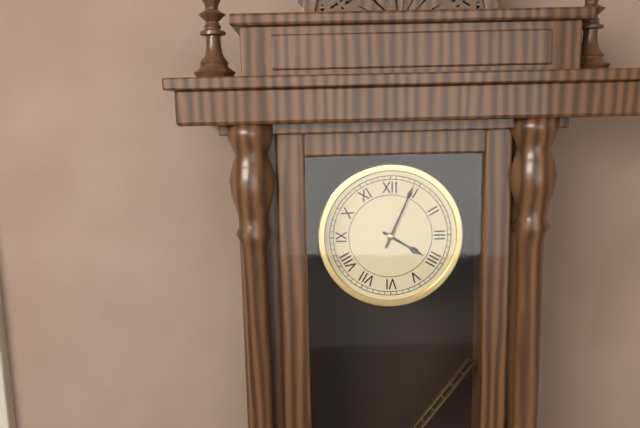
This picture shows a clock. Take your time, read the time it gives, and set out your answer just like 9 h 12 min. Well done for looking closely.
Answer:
4 h 04 min
